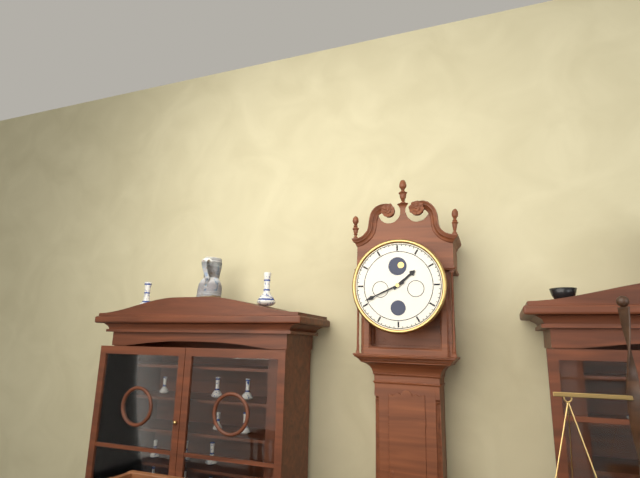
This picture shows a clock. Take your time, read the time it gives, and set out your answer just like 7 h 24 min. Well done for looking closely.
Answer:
1 h 41 min
